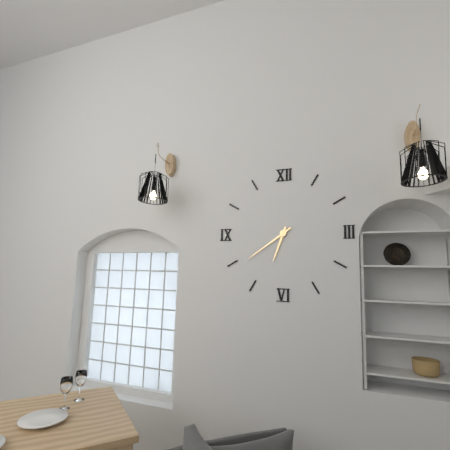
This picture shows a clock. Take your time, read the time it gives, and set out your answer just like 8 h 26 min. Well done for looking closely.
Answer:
6 h 39 min
